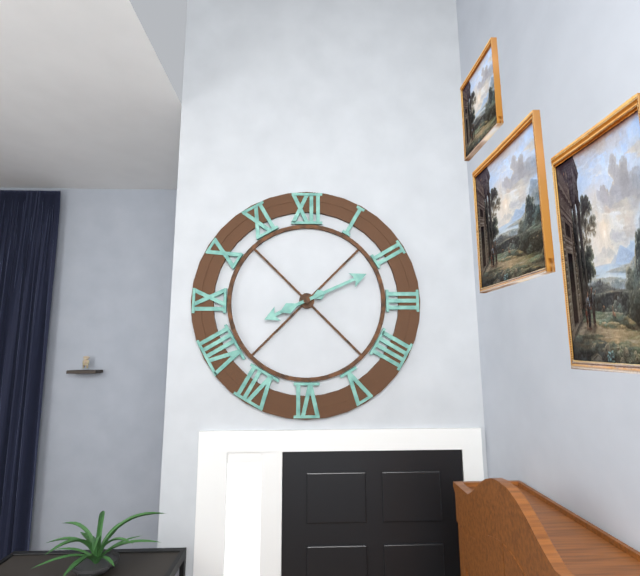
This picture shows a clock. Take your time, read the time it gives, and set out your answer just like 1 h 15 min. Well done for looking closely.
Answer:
8 h 11 min
